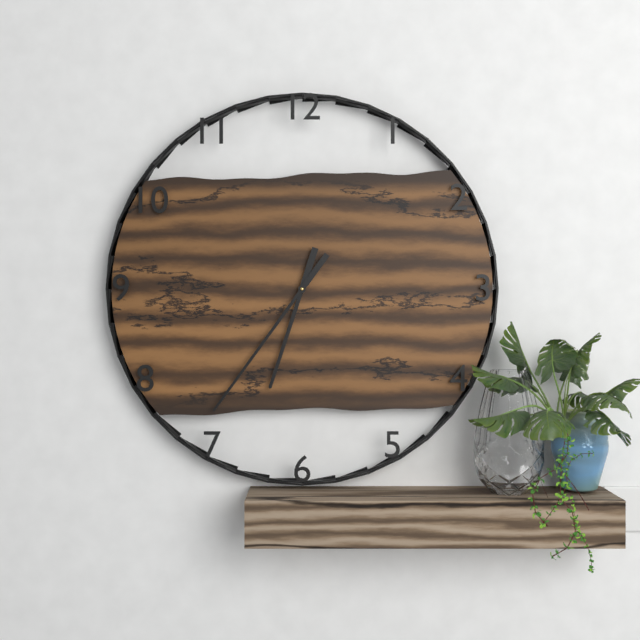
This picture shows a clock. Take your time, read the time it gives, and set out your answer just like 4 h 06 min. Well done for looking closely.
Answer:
6 h 36 min
